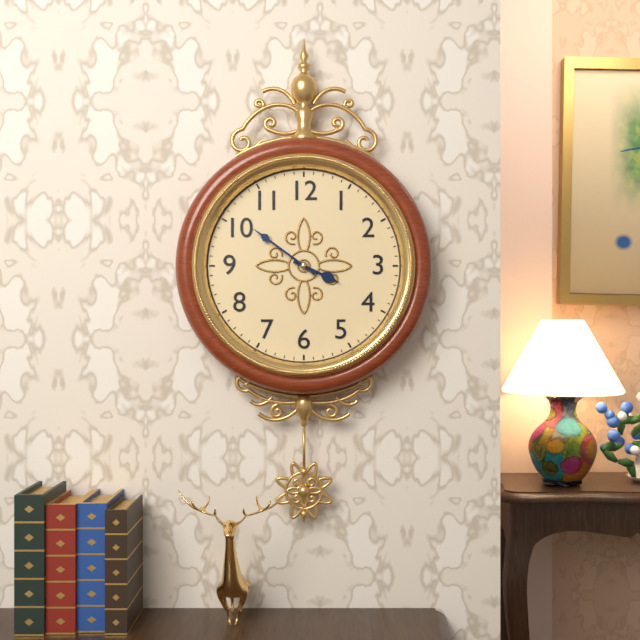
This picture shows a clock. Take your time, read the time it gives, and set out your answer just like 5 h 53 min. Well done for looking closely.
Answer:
3 h 51 min
